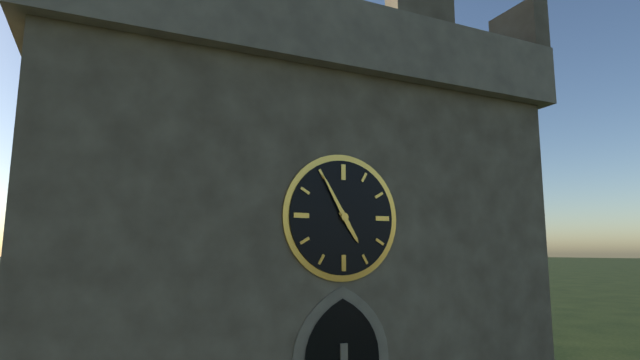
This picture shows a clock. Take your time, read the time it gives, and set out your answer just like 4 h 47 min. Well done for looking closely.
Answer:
4 h 55 min
